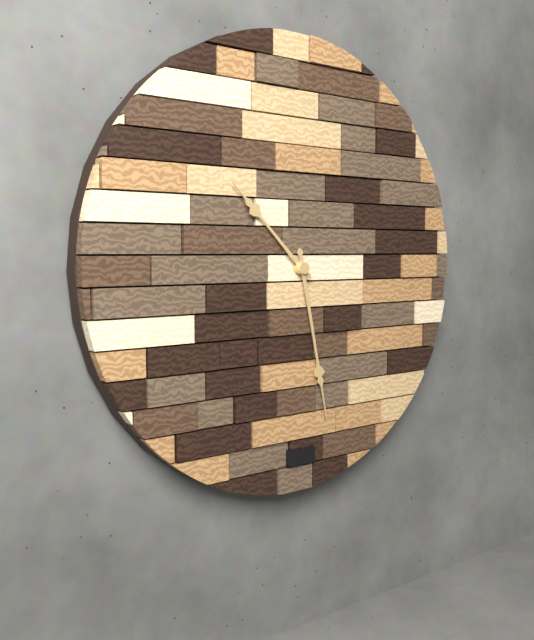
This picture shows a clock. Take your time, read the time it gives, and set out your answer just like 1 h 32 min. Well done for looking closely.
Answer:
10 h 28 min
